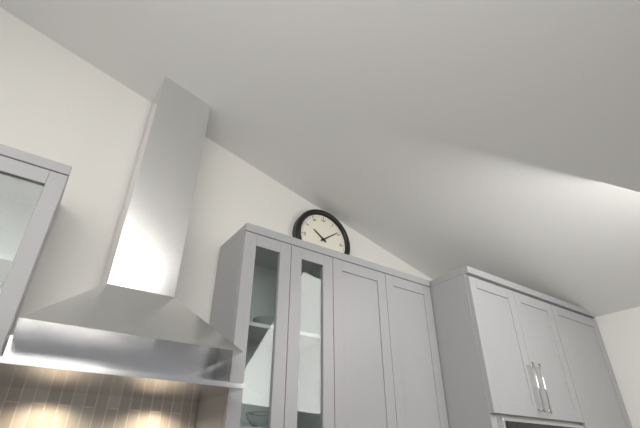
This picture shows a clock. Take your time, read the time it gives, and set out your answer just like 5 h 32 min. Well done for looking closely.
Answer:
10 h 09 min
